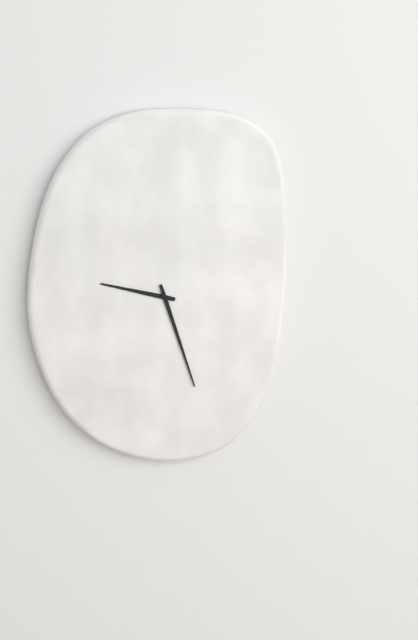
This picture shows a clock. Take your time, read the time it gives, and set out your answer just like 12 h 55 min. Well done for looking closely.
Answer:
9 h 27 min
